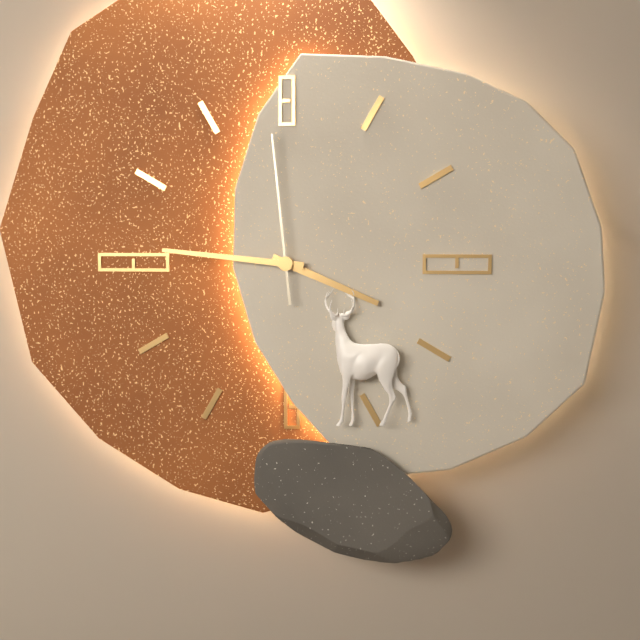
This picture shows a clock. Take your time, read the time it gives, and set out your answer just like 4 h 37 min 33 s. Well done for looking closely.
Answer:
3 h 46 min 59 s
